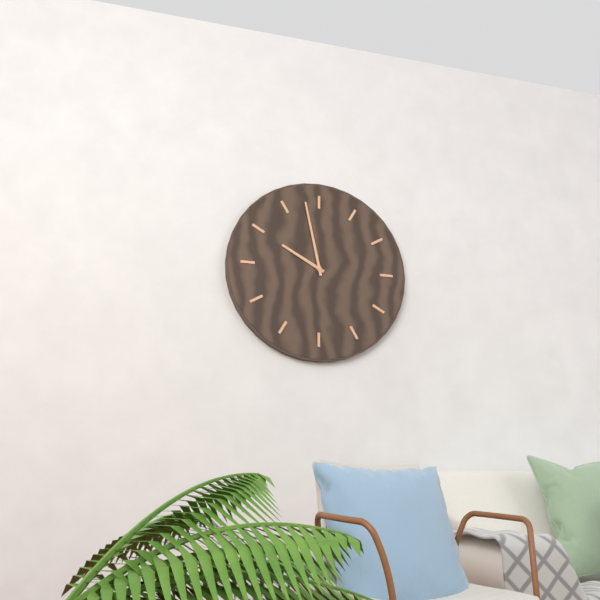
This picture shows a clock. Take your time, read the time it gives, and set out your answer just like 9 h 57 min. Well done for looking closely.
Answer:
9 h 58 min
